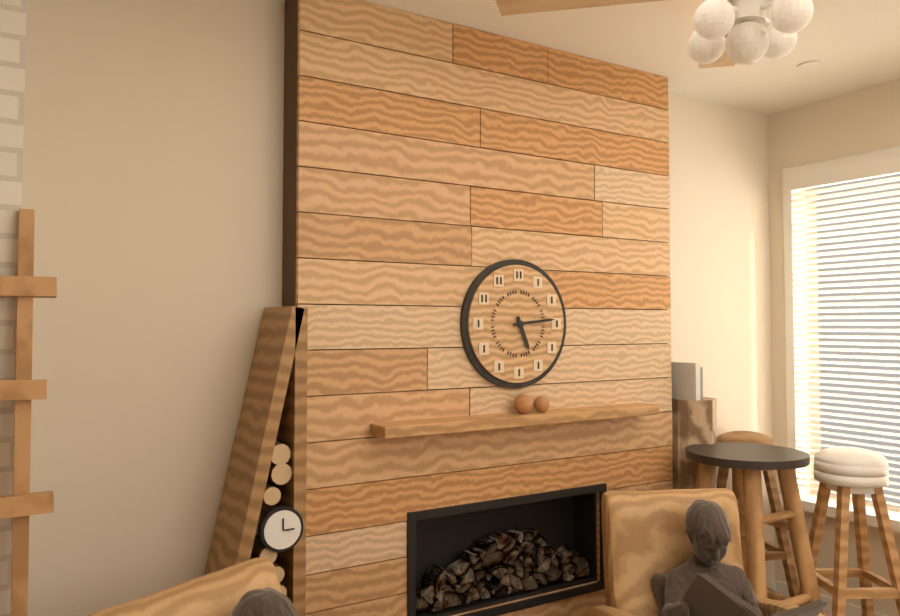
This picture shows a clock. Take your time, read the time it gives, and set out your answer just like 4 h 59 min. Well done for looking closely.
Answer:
5 h 14 min
